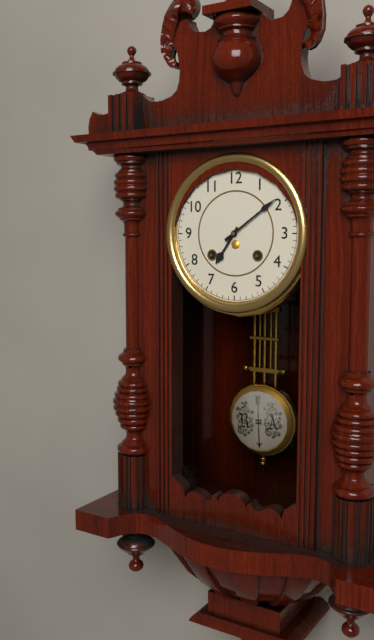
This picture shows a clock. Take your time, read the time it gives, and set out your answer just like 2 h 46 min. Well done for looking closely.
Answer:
7 h 09 min
